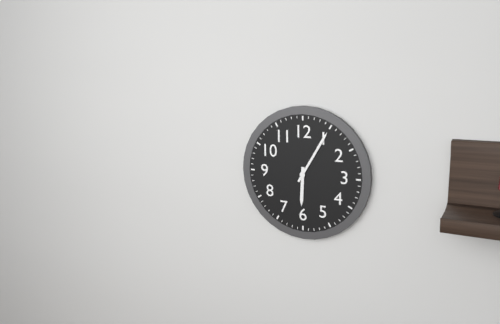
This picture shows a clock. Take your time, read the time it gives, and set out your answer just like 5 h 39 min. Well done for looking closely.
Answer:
6 h 05 min
